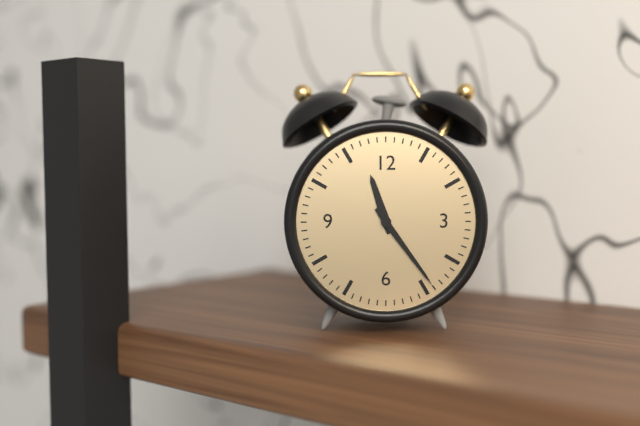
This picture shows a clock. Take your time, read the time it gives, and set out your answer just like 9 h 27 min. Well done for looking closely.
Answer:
11 h 24 min
